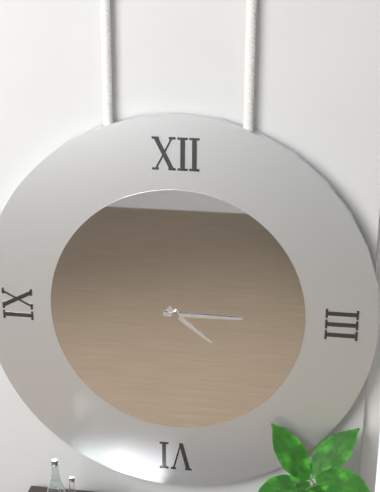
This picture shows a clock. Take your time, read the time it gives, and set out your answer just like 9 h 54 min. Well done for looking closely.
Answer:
4 h 15 min
